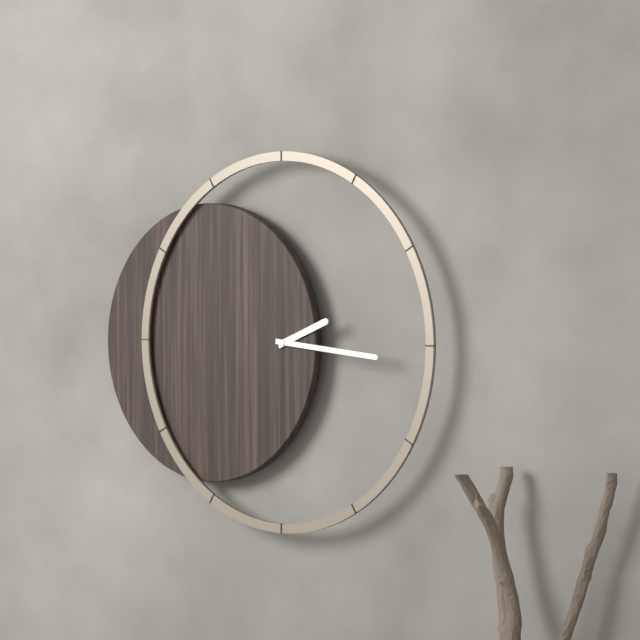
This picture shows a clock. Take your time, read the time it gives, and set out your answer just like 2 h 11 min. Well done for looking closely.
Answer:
2 h 16 min
